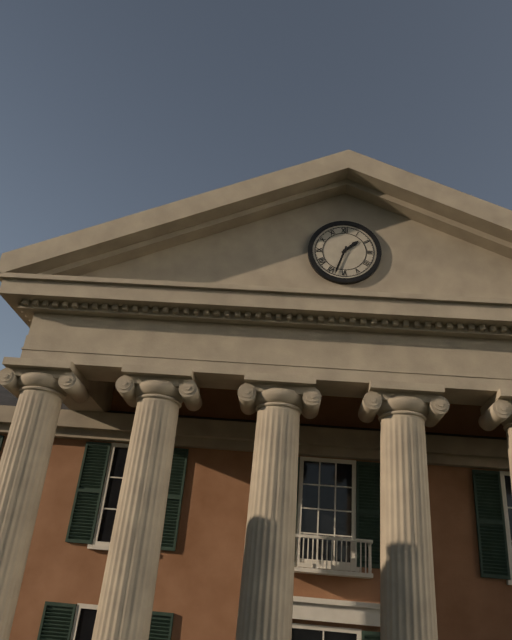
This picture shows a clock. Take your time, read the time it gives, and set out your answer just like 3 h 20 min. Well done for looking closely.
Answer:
1 h 33 min
